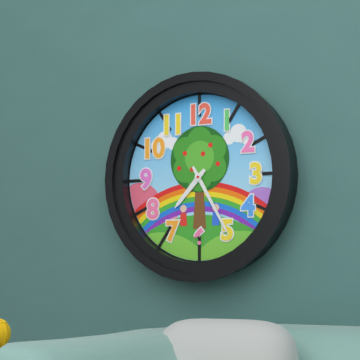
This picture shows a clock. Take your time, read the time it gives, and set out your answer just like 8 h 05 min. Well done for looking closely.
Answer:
7 h 25 min
